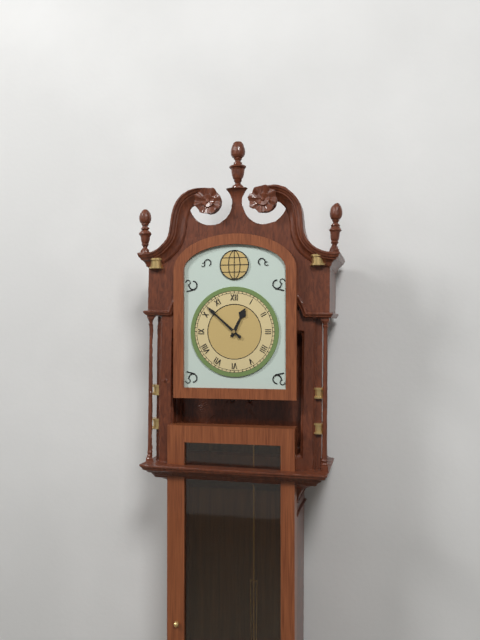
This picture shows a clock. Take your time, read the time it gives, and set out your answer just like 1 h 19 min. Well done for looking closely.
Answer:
12 h 52 min
